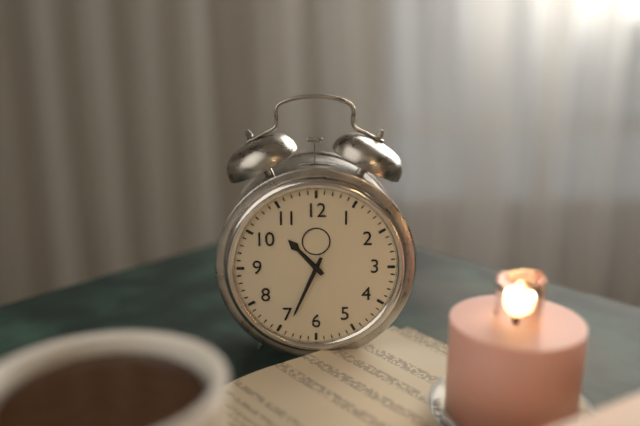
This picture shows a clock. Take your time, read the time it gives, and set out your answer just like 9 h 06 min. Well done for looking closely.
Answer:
10 h 34 min
